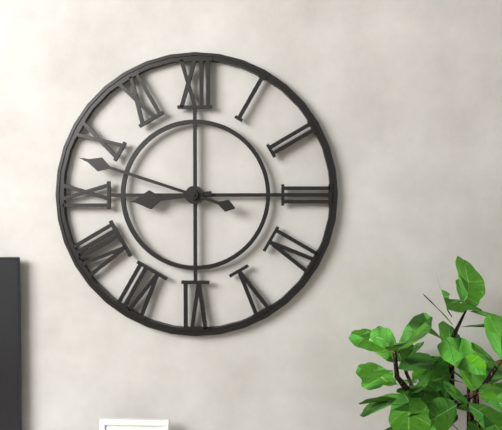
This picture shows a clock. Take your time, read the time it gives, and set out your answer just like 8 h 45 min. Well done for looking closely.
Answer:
8 h 48 min
